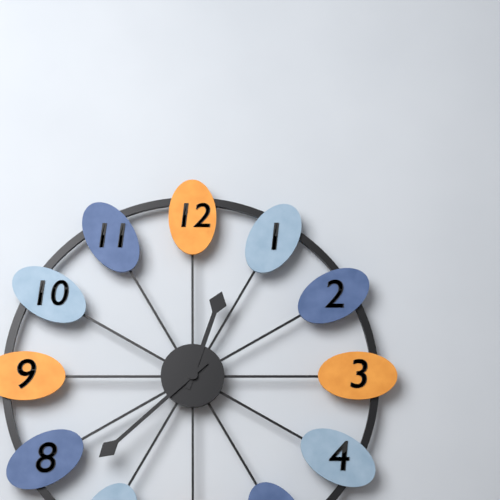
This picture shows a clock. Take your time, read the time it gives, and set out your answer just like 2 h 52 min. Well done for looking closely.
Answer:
12 h 38 min
